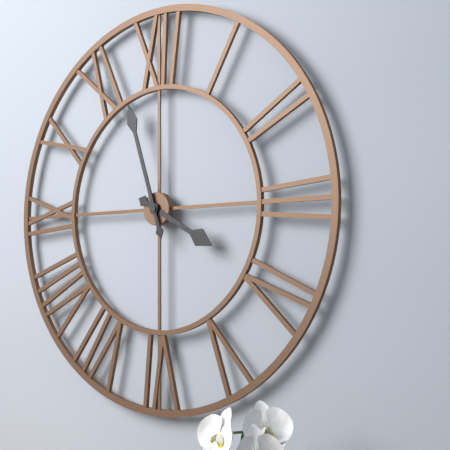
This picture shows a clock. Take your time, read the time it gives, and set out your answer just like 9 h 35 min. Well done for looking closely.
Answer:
3 h 57 min
